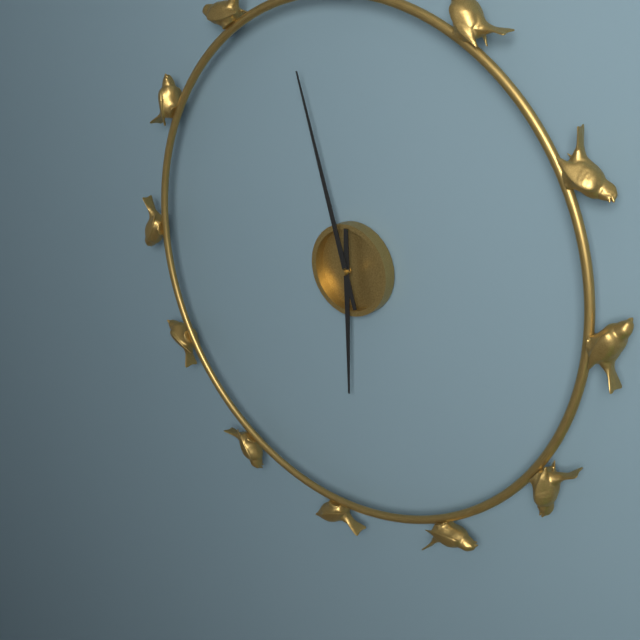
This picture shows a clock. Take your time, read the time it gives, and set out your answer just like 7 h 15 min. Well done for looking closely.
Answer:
5 h 57 min
